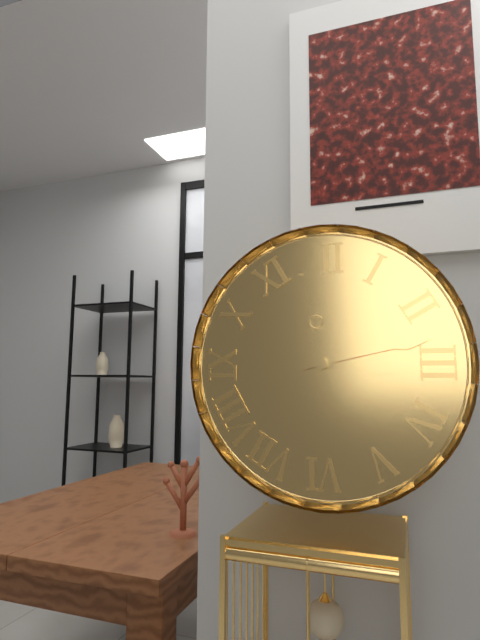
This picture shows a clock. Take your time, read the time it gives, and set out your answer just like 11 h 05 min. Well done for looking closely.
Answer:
3 h 13 min
